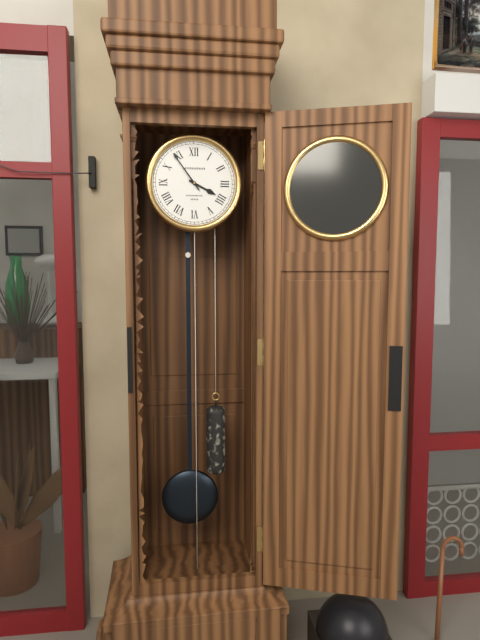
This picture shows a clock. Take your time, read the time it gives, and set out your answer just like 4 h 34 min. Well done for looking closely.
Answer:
3 h 54 min
